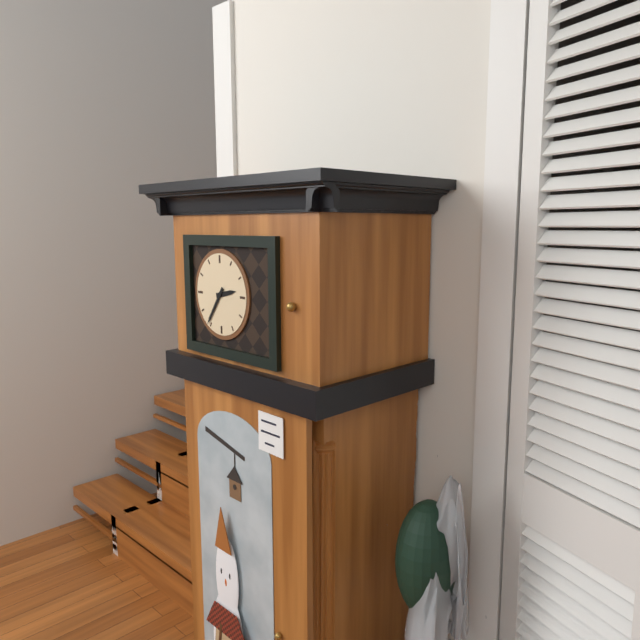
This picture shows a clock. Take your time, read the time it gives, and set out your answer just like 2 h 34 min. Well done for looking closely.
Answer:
2 h 36 min
